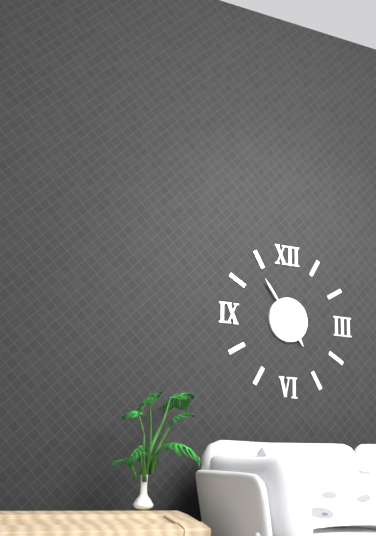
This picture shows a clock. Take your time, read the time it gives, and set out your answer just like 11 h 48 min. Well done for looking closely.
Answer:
4 h 54 min
